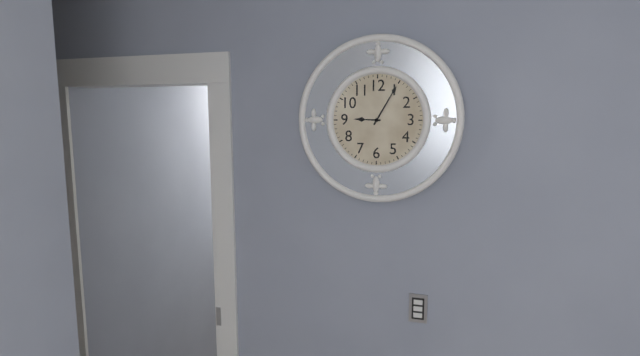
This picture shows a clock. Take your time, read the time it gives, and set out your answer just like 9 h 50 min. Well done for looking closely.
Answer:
9 h 05 min
